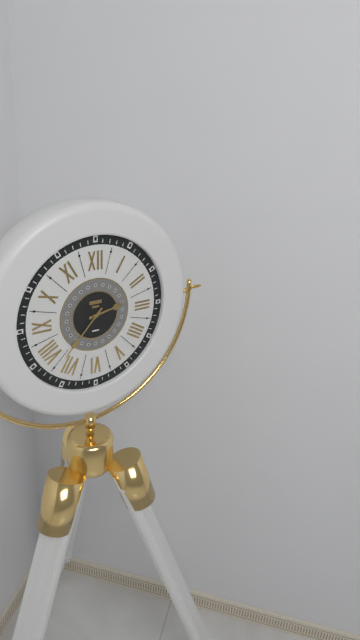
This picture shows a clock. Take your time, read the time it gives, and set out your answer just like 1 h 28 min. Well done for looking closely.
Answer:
2 h 37 min
